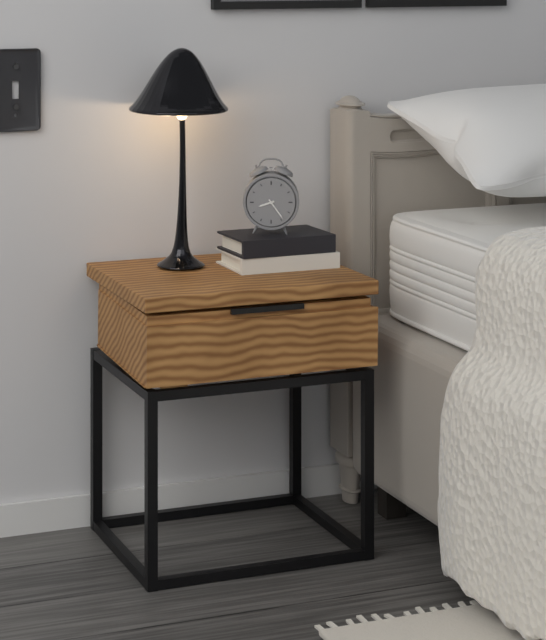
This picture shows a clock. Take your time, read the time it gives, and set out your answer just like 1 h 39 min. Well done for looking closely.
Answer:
8 h 24 min
